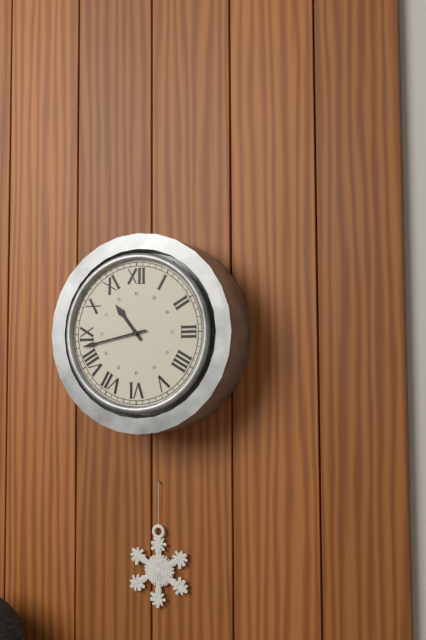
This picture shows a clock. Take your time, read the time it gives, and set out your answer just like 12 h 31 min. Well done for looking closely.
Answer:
10 h 43 min
